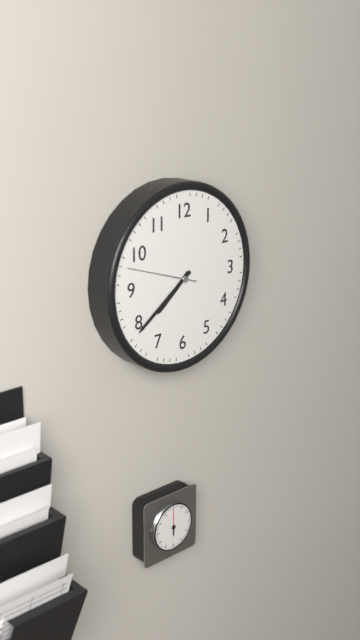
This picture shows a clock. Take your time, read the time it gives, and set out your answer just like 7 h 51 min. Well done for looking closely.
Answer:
7 h 39 min
